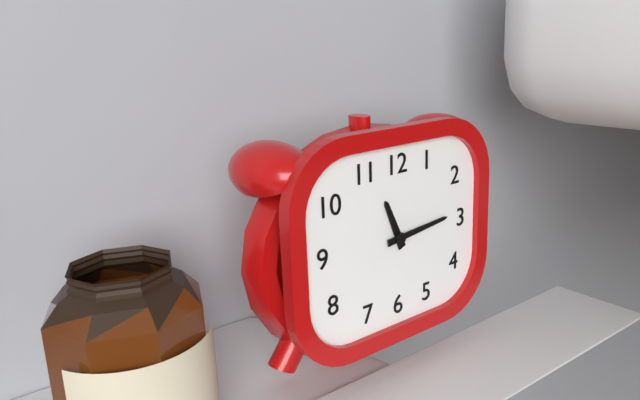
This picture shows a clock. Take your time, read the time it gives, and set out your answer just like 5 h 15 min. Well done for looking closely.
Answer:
11 h 14 min
